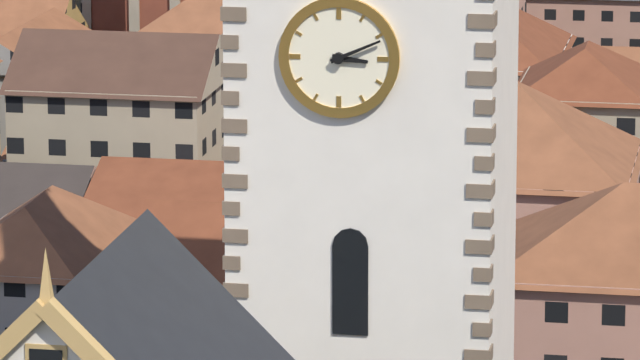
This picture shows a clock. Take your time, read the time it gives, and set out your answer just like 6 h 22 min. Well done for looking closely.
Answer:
3 h 11 min
